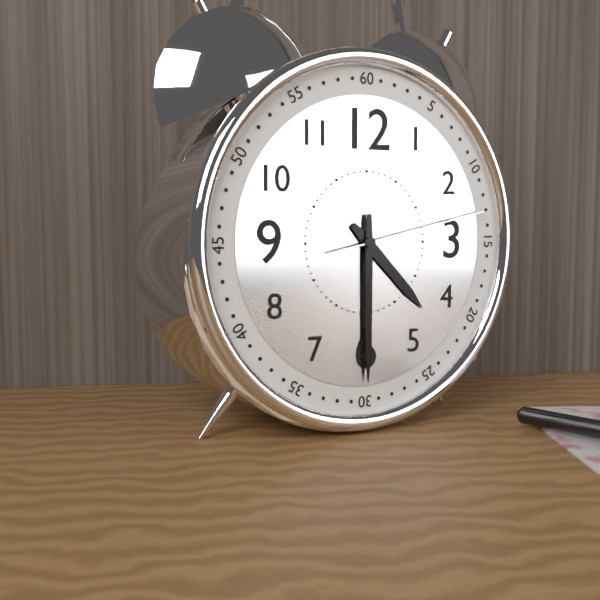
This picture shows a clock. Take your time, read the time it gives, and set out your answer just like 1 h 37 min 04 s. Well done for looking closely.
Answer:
4 h 30 min 13 s
